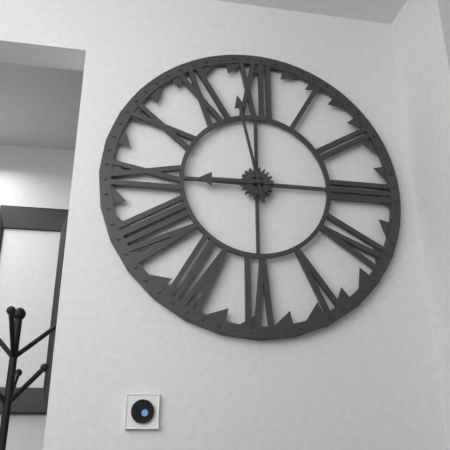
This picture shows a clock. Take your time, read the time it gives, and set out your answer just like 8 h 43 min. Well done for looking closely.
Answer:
8 h 58 min
